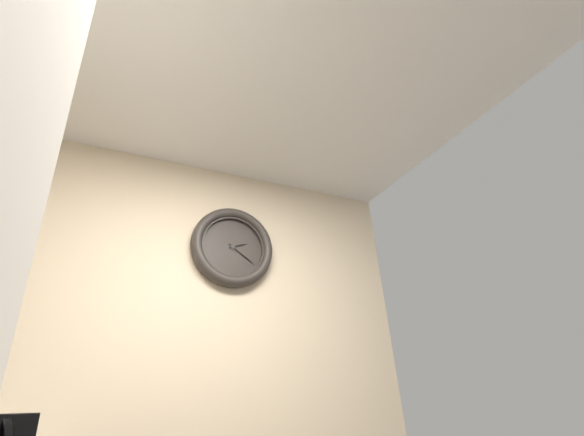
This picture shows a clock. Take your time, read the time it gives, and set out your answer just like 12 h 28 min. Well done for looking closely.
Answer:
2 h 21 min
